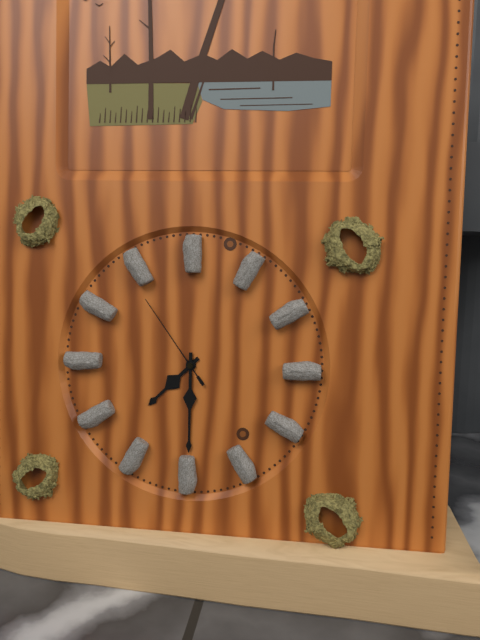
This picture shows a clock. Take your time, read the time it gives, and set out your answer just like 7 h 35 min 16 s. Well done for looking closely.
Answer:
7 h 30 min 54 s
